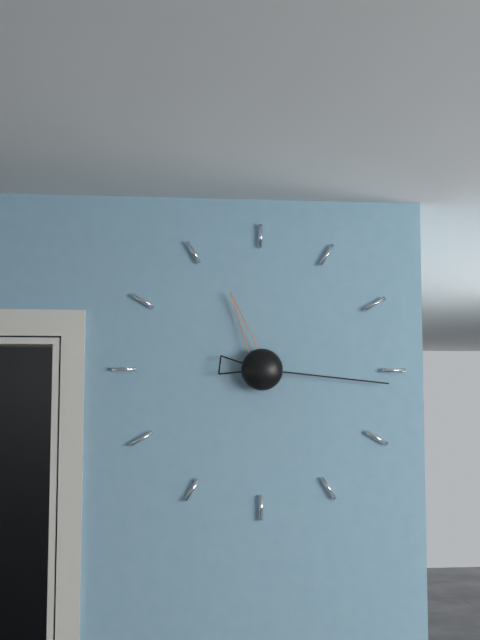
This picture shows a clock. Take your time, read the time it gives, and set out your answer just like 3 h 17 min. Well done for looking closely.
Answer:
11 h 16 min
